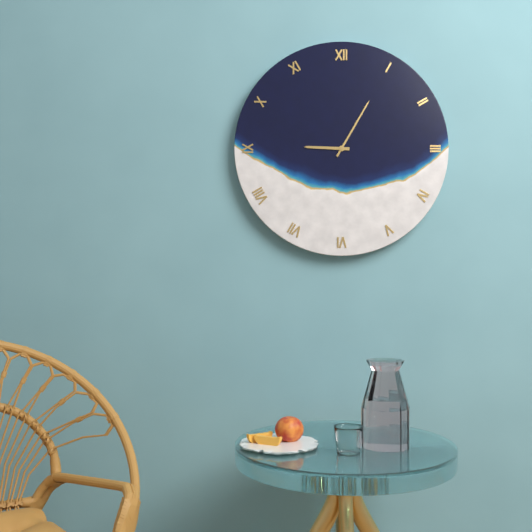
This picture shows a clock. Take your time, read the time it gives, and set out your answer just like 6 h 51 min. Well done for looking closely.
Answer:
9 h 05 min
